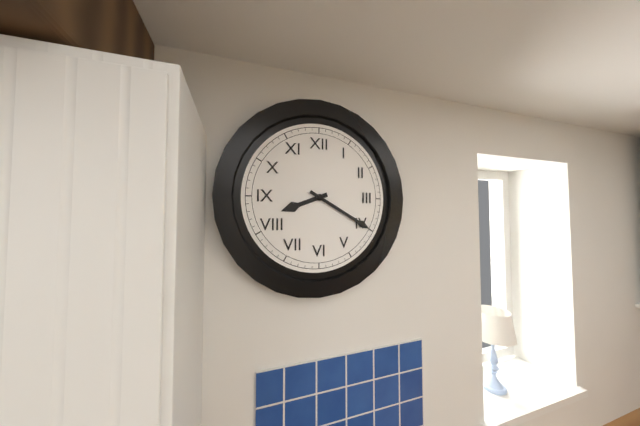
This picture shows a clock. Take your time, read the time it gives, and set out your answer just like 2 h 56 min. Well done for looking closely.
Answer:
8 h 20 min
